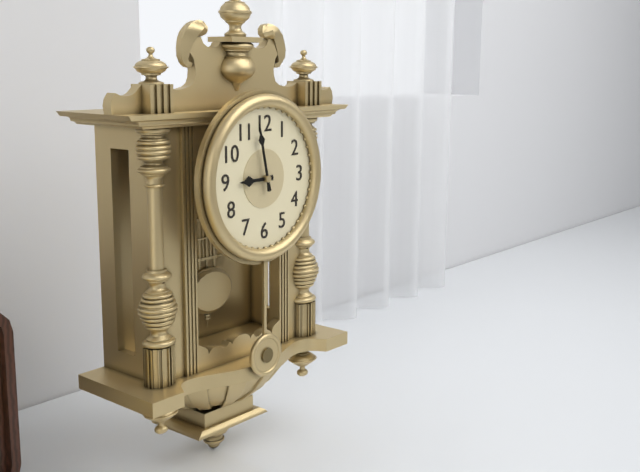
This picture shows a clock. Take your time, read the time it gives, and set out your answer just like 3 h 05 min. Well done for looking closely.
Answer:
8 h 58 min
